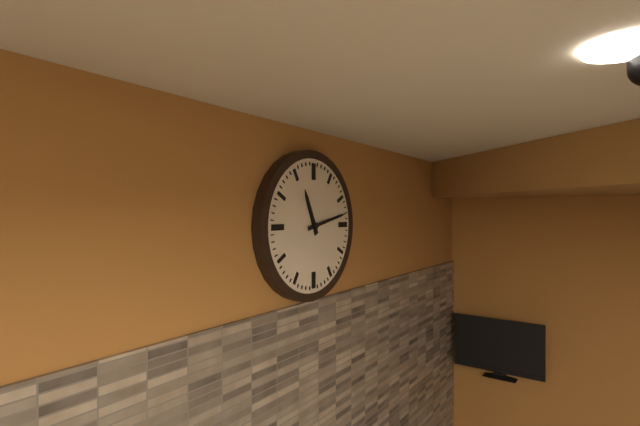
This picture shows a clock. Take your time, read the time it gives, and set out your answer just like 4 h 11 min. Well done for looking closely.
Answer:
11 h 13 min
